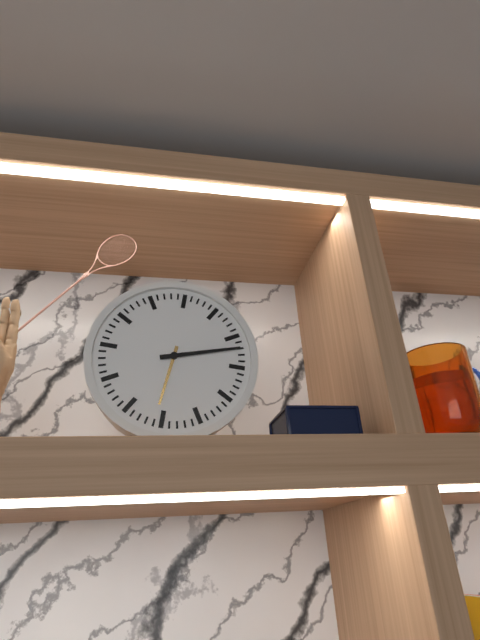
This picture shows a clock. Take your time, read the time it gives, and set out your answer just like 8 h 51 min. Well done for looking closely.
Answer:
6 h 12 min
